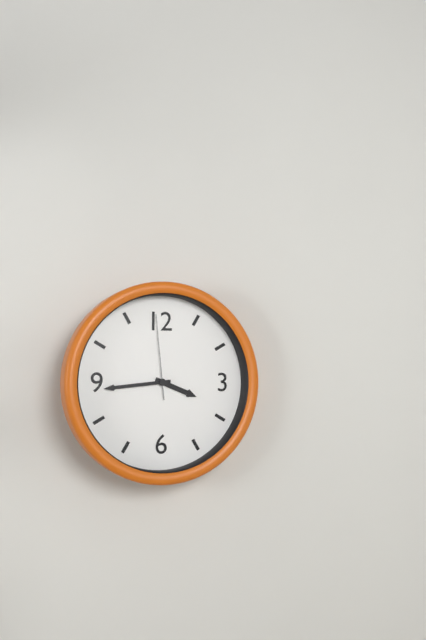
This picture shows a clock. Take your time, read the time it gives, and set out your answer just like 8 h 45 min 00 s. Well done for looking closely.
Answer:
3 h 44 min 59 s
